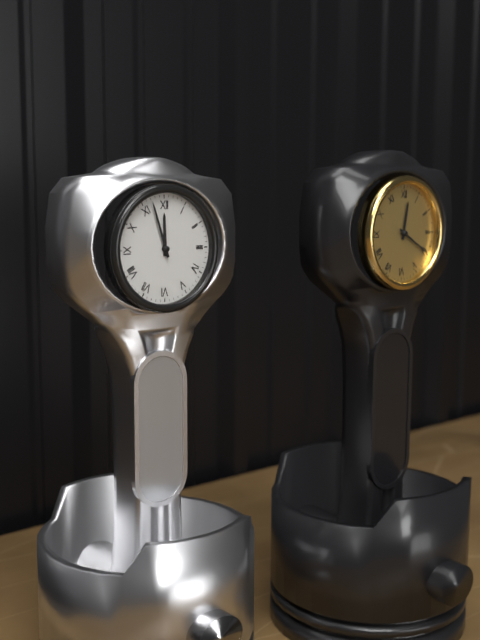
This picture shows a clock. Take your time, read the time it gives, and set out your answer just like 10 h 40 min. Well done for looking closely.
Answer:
11 h 57 min
